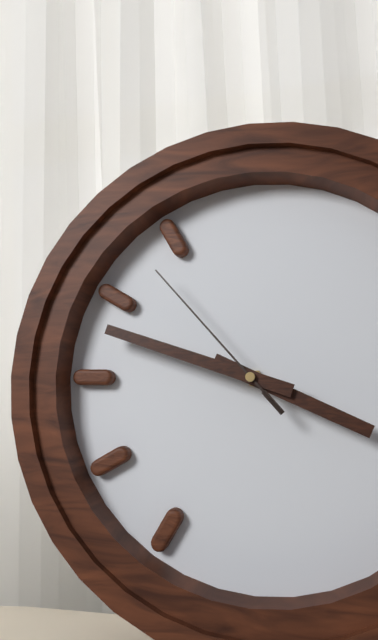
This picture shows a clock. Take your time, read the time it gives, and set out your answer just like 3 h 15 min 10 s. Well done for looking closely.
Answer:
3 h 48 min 53 s
